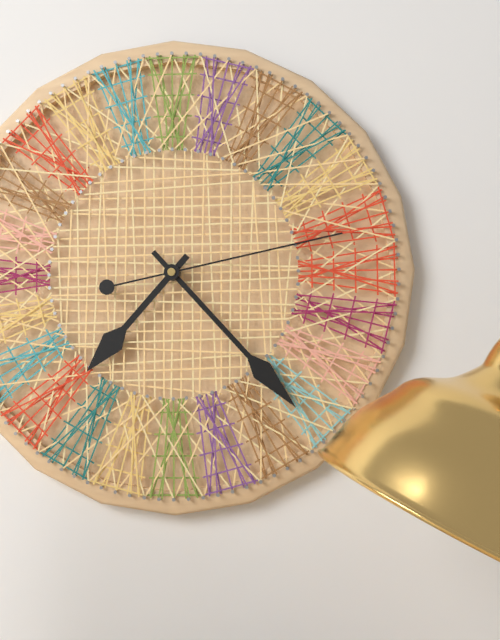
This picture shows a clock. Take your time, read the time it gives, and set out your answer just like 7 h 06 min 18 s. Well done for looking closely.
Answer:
7 h 23 min 13 s
